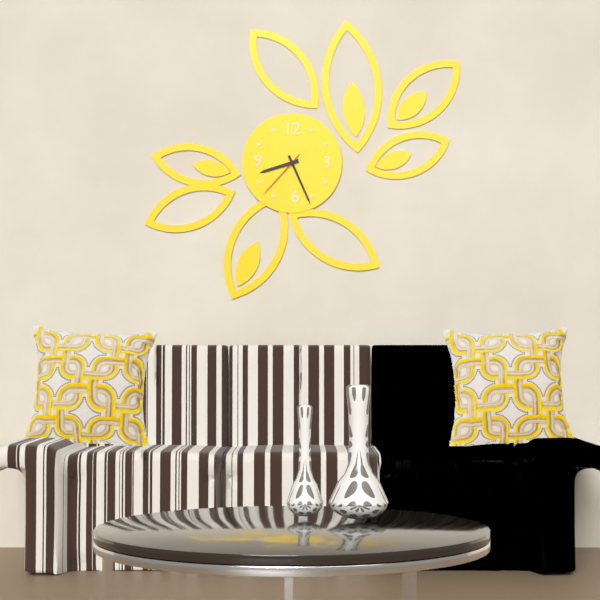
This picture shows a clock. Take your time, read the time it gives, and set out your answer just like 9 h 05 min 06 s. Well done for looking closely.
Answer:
8 h 26 min 37 s
